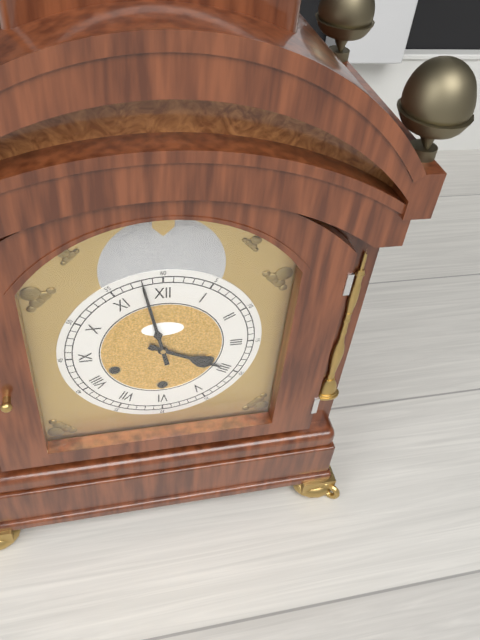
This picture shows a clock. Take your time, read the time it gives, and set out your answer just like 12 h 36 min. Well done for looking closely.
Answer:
3 h 58 min
